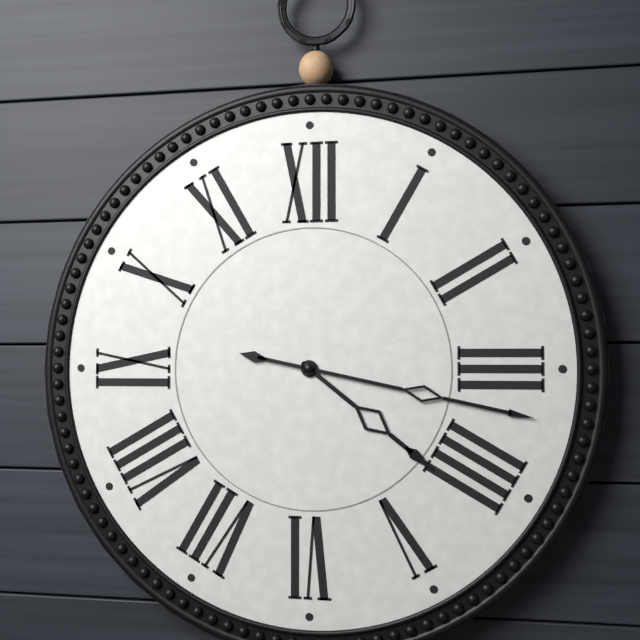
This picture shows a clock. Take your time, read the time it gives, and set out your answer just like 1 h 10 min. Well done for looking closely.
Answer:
4 h 17 min
